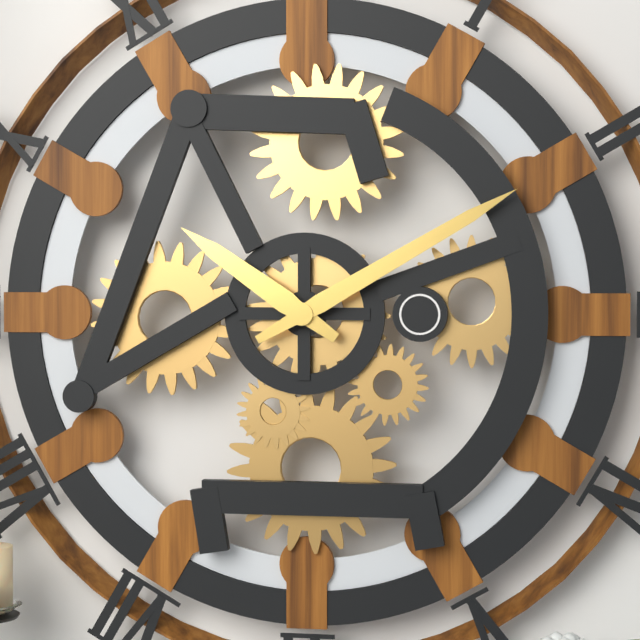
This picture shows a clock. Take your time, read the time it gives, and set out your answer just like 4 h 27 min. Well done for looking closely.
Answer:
10 h 10 min
